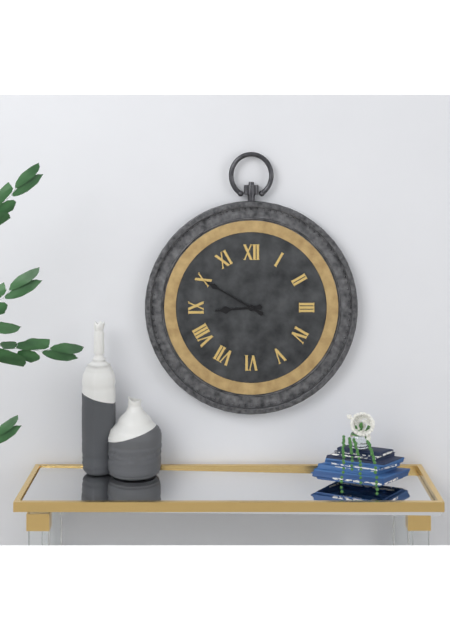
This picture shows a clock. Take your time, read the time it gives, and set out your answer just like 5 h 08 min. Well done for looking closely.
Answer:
8 h 50 min
